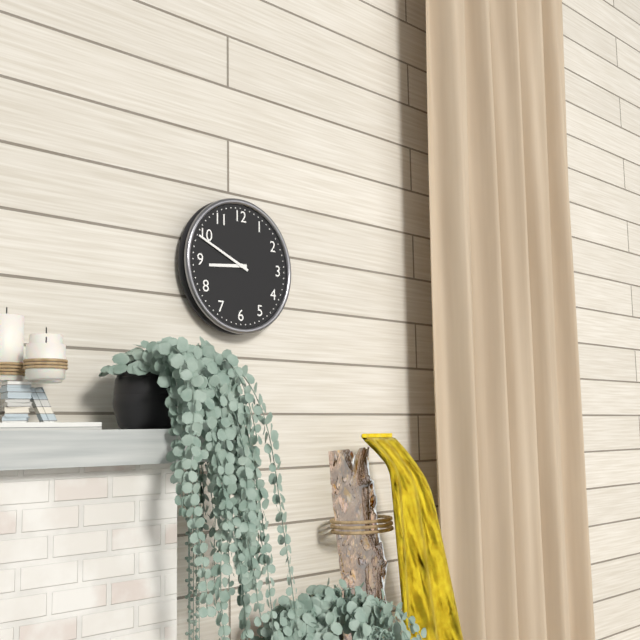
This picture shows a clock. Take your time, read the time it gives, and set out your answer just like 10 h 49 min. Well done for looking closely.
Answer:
8 h 49 min
